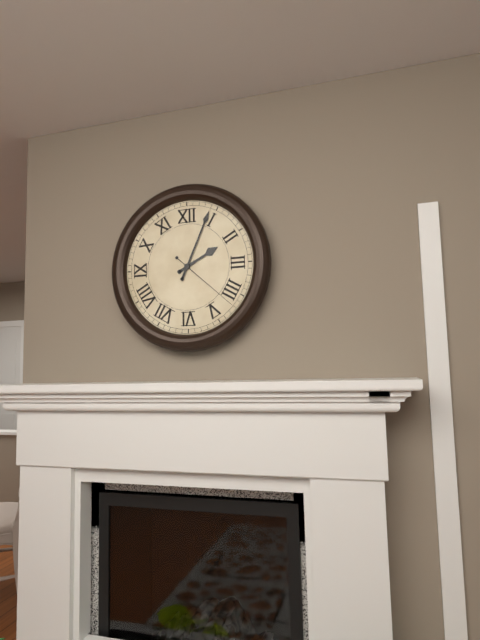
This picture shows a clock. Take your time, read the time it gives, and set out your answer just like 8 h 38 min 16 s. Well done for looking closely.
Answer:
2 h 04 min 22 s
